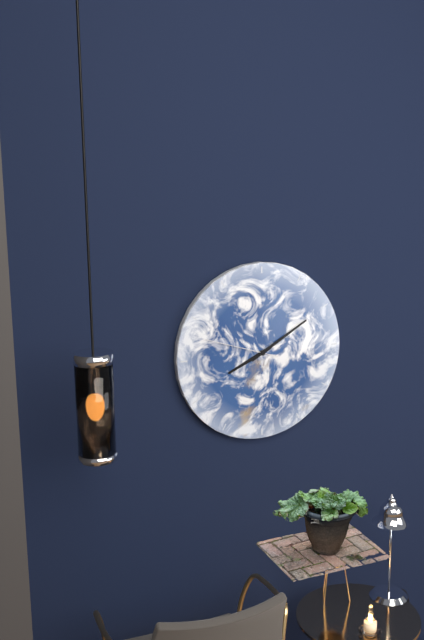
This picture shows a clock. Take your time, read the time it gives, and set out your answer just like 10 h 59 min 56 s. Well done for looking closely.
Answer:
8 h 10 min 48 s
